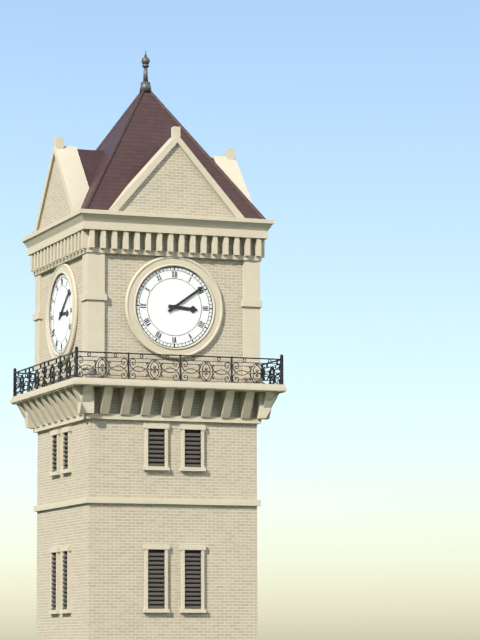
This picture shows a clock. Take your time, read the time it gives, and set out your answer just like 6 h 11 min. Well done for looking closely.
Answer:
3 h 09 min
